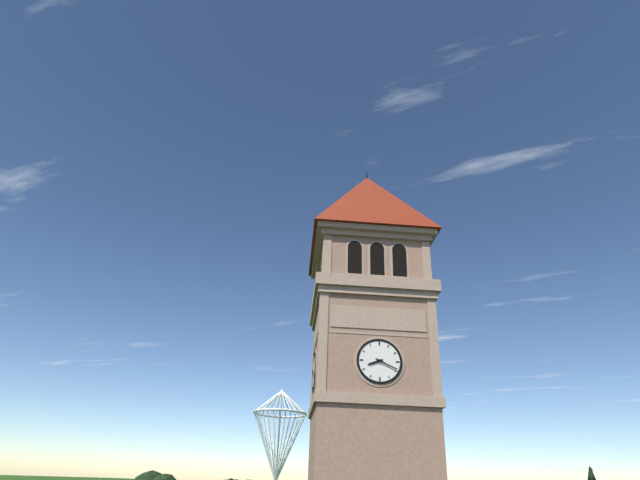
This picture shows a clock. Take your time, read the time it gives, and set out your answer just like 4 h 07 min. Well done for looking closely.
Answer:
8 h 19 min
